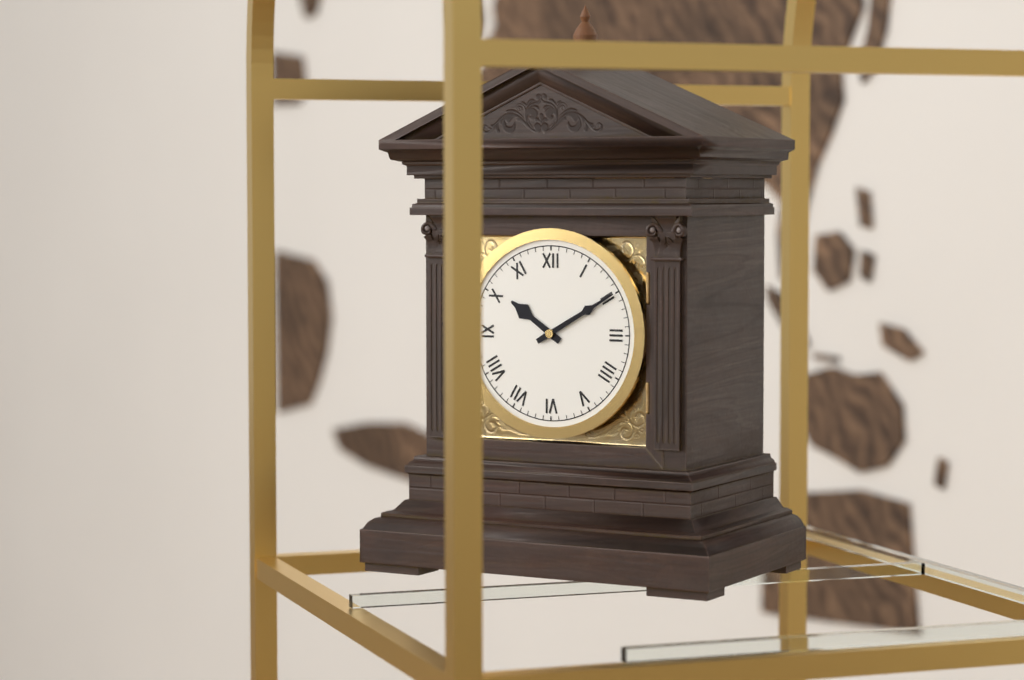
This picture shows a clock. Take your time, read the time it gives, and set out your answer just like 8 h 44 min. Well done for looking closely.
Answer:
10 h 10 min
